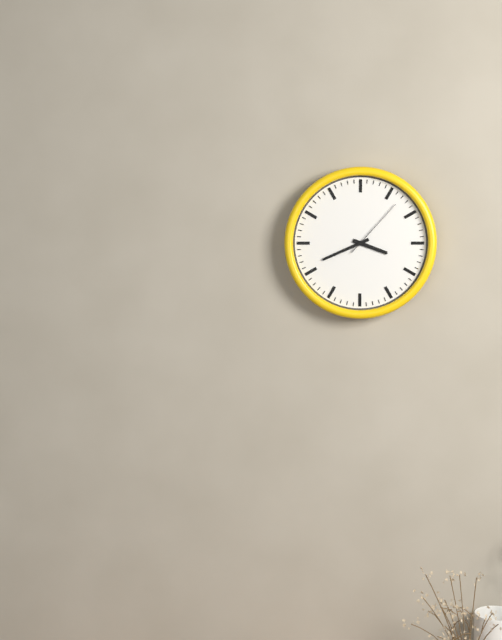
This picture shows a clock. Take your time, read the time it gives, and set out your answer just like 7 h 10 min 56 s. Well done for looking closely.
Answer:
3 h 41 min 07 s
